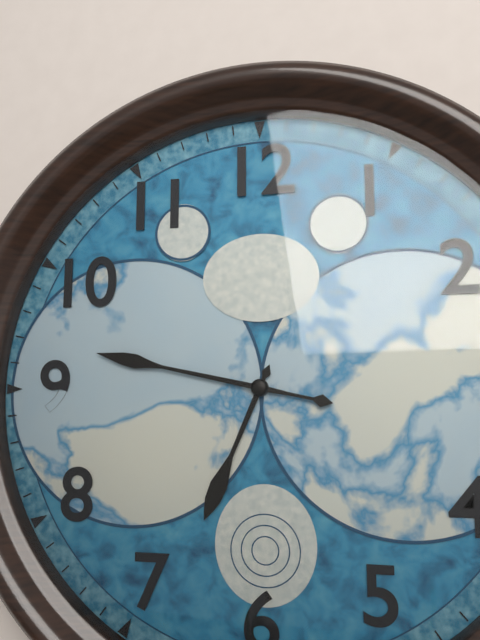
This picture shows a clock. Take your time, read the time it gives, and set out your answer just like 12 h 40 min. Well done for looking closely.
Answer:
6 h 47 min
